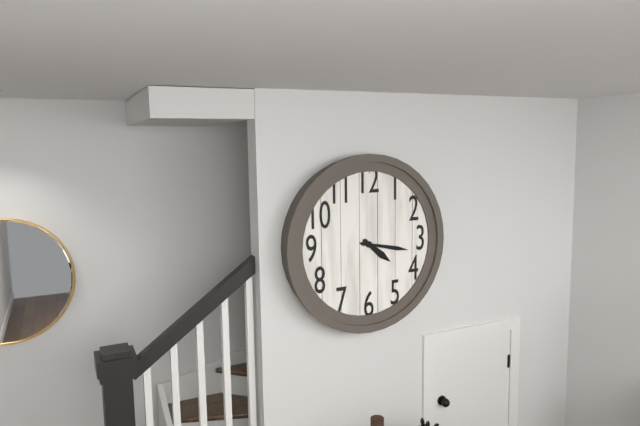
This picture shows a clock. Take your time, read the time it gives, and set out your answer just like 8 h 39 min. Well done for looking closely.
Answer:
4 h 17 min
